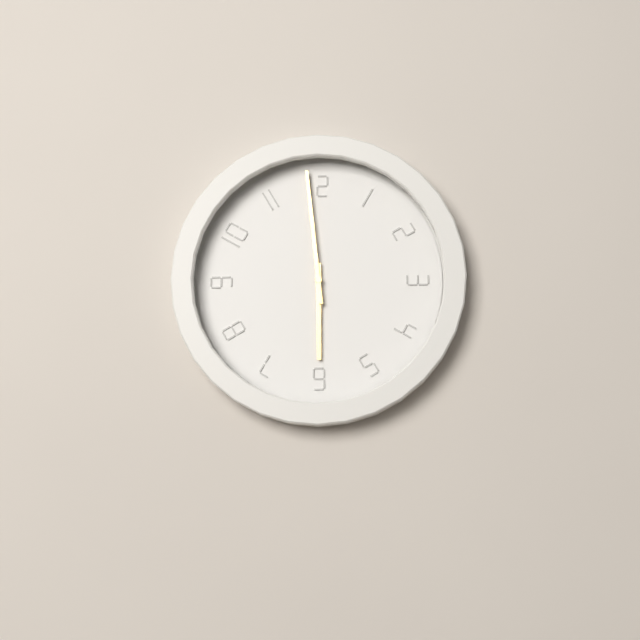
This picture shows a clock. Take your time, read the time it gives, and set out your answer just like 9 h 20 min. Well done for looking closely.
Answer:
5 h 59 min
